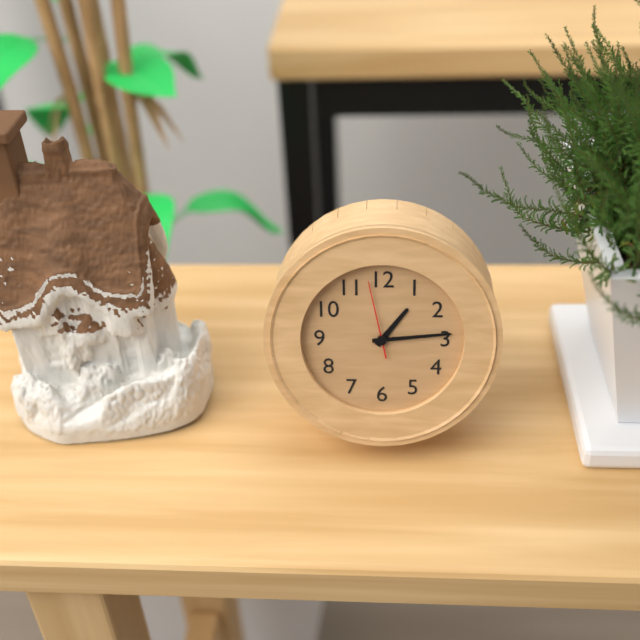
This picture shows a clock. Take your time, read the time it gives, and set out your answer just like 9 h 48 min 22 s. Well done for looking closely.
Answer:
1 h 14 min 58 s
